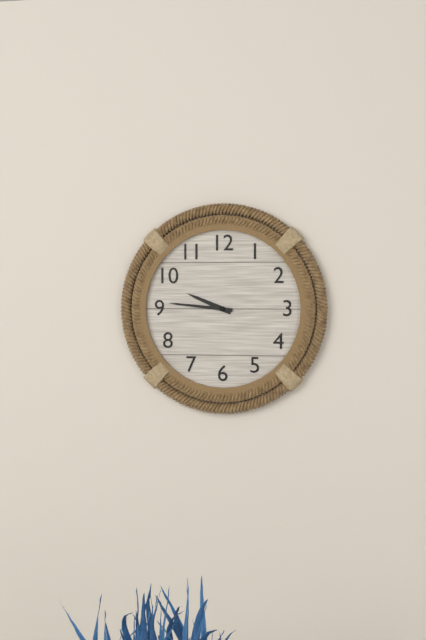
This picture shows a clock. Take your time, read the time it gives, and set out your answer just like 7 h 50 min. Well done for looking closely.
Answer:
9 h 46 min
